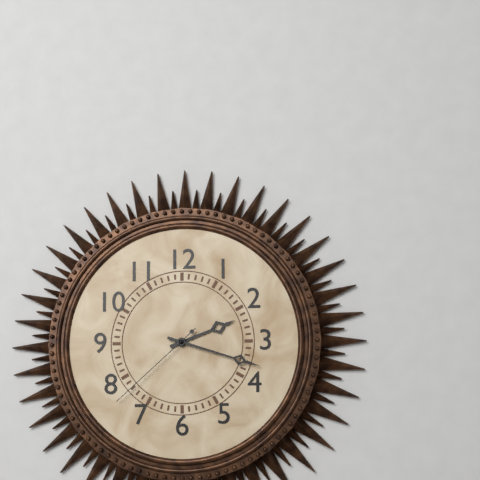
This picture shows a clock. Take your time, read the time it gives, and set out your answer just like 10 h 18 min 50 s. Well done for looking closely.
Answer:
2 h 18 min 38 s
